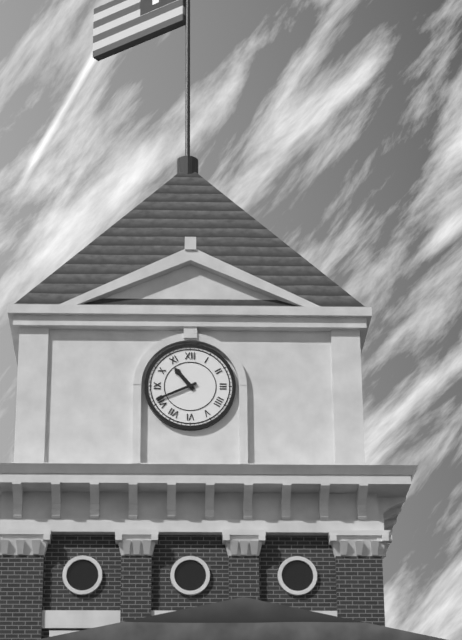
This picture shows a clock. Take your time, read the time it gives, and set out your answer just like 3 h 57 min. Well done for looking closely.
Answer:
10 h 41 min
